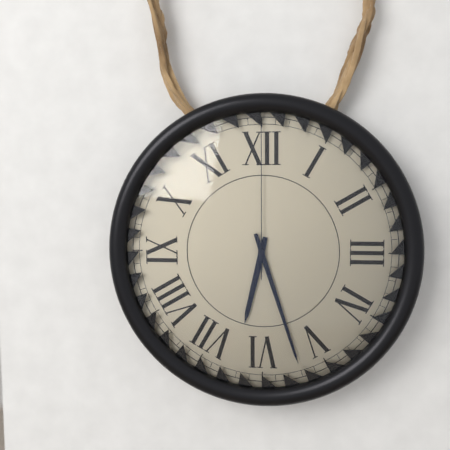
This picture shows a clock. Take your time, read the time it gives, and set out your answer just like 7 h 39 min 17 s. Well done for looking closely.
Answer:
6 h 27 min 00 s
